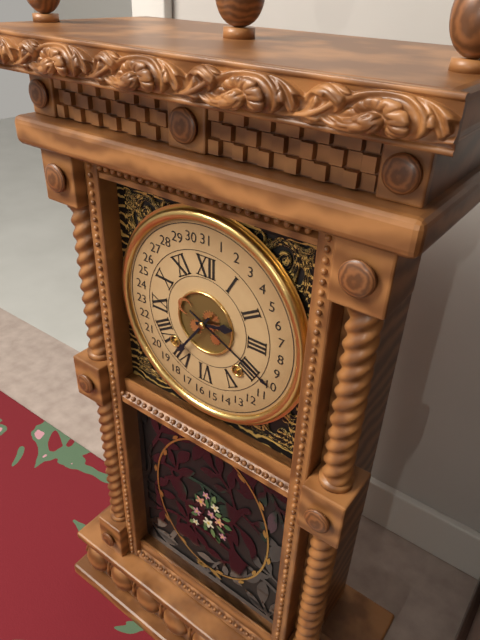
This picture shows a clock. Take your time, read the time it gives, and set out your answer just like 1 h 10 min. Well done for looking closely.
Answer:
2 h 36 min
